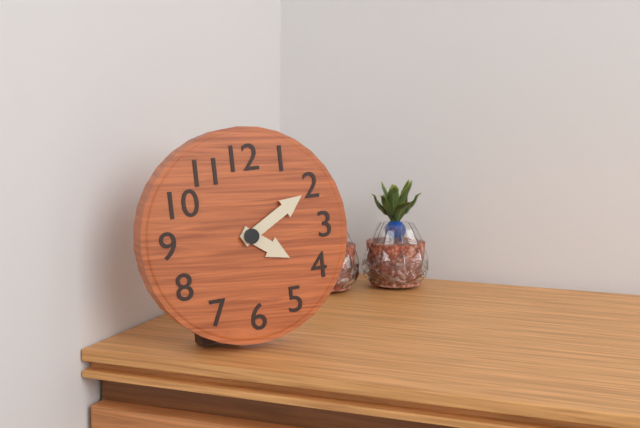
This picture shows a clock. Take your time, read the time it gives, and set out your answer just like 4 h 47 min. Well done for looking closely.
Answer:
4 h 10 min
